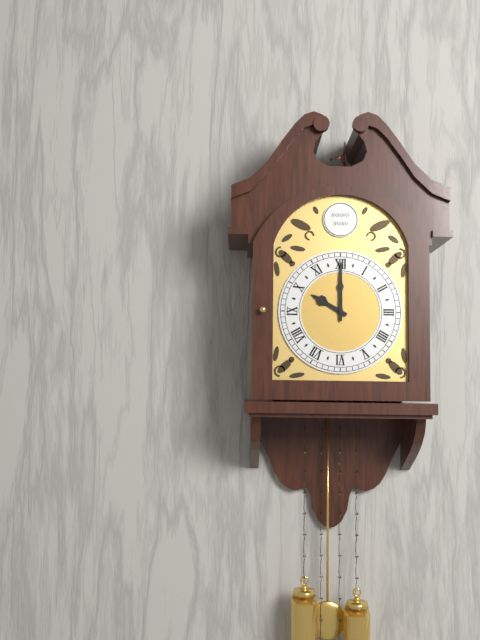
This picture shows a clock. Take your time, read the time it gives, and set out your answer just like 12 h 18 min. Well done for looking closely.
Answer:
10 h 00 min
